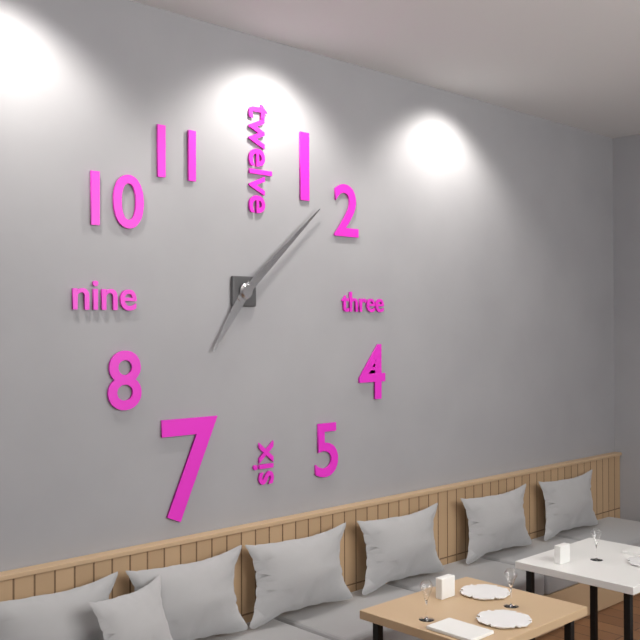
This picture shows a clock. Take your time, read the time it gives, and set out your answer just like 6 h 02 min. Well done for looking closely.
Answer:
7 h 08 min
